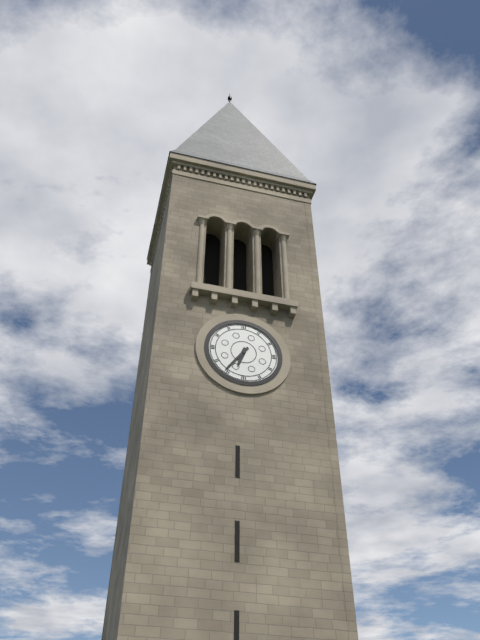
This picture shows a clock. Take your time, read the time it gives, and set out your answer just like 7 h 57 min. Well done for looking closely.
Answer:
6 h 36 min
